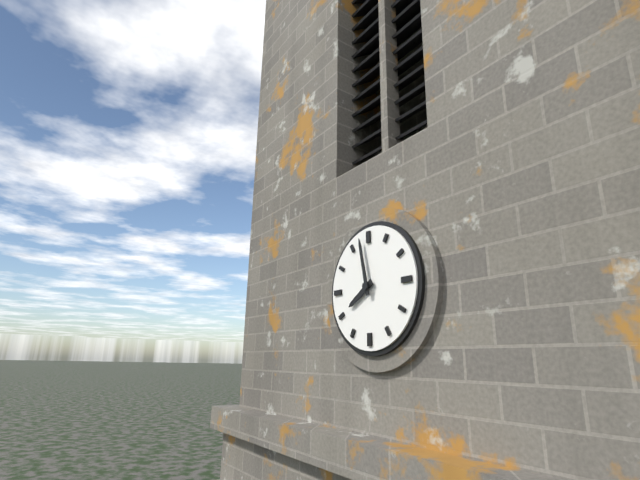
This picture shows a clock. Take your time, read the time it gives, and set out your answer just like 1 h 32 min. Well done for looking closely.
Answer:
7 h 58 min
